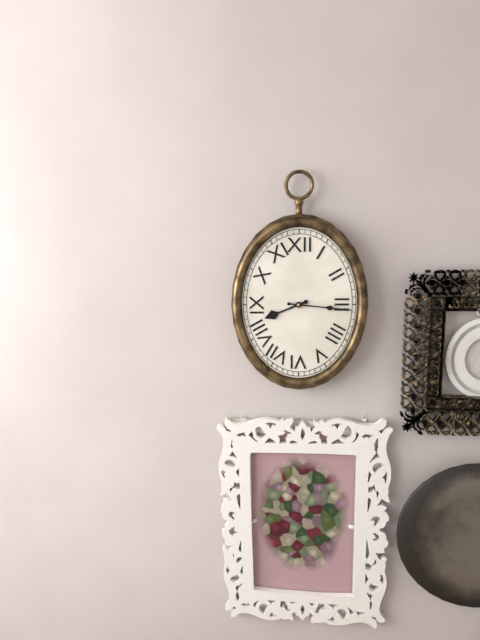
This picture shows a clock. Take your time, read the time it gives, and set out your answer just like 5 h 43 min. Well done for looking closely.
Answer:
8 h 16 min
